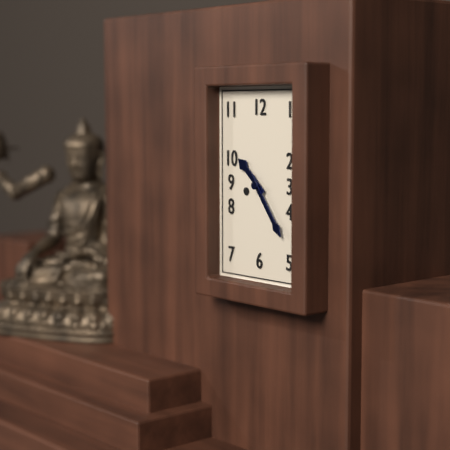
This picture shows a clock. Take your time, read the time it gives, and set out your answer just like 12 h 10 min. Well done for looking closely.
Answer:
10 h 24 min
